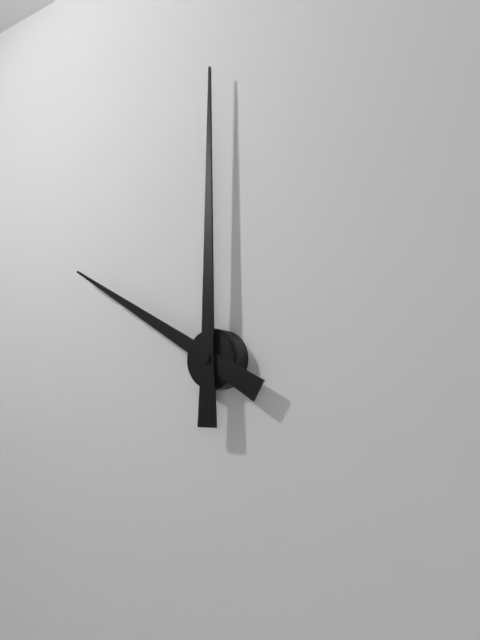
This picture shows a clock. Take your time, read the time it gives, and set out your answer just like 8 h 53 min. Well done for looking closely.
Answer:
10 h 00 min
